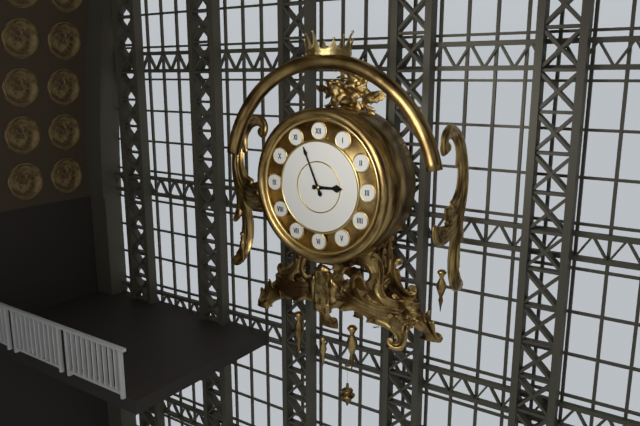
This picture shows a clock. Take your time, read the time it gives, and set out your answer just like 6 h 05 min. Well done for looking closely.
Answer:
2 h 56 min
